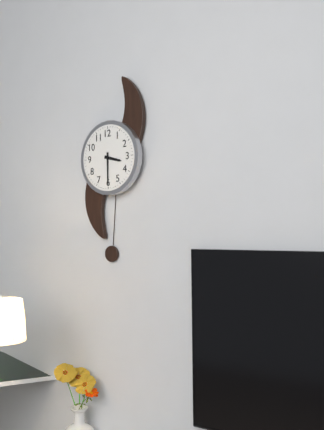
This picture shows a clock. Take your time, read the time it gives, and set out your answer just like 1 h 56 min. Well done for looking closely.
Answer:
3 h 30 min
